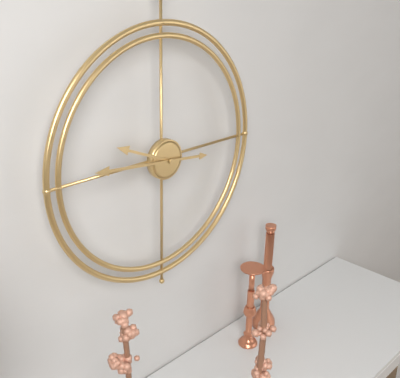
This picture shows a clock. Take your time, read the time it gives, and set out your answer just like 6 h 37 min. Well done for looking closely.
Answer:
9 h 46 min
